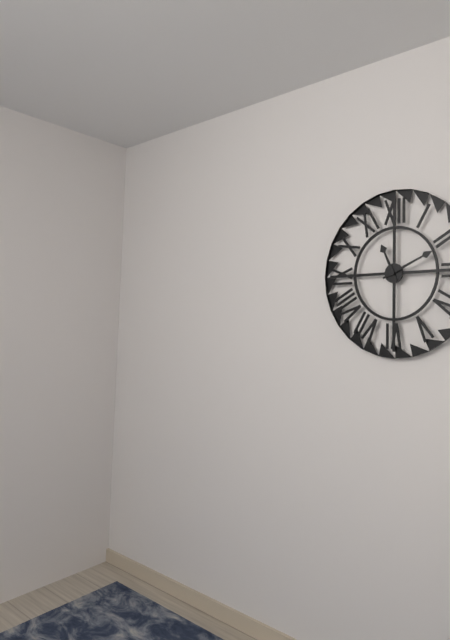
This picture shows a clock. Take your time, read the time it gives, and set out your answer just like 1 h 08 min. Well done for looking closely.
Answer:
11 h 11 min
